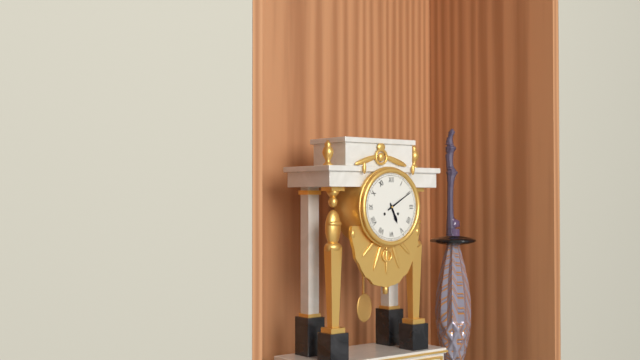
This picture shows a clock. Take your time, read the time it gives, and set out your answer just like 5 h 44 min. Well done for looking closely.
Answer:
5 h 10 min
